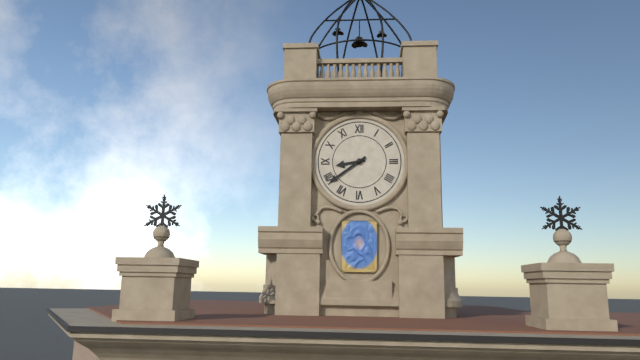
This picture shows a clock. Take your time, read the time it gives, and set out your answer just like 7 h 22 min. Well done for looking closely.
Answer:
8 h 39 min
